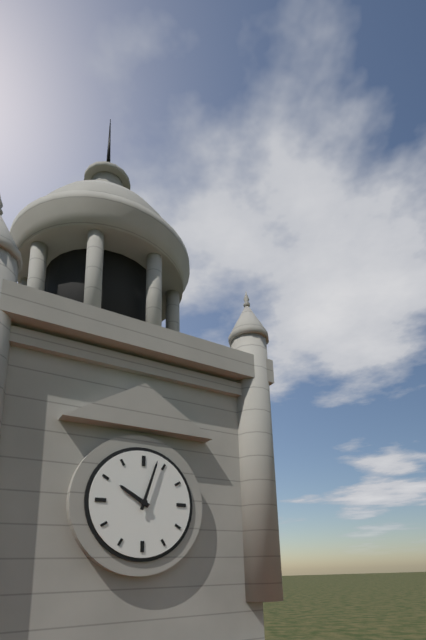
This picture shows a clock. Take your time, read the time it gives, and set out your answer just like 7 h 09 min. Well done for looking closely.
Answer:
10 h 03 min
